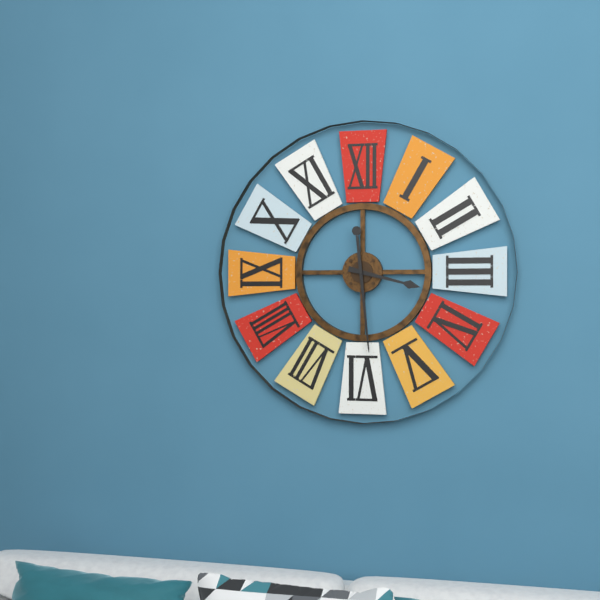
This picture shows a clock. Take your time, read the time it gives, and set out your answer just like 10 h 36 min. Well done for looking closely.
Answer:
3 h 29 min
